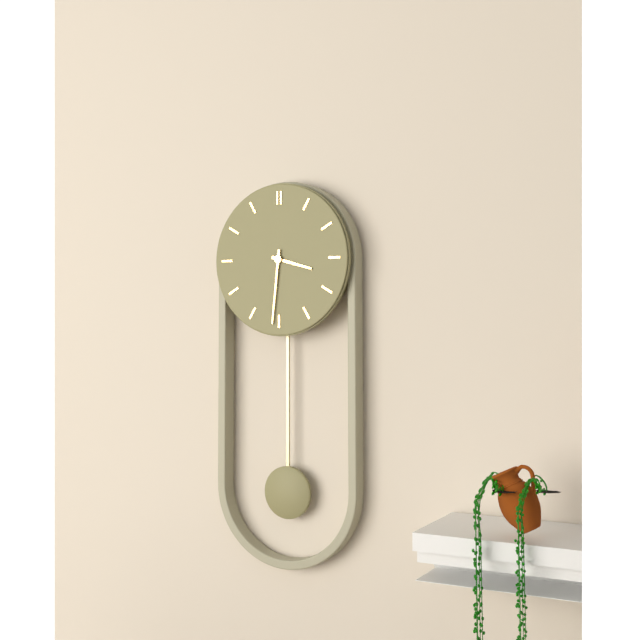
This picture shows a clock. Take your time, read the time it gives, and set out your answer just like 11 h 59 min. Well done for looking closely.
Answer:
3 h 31 min
